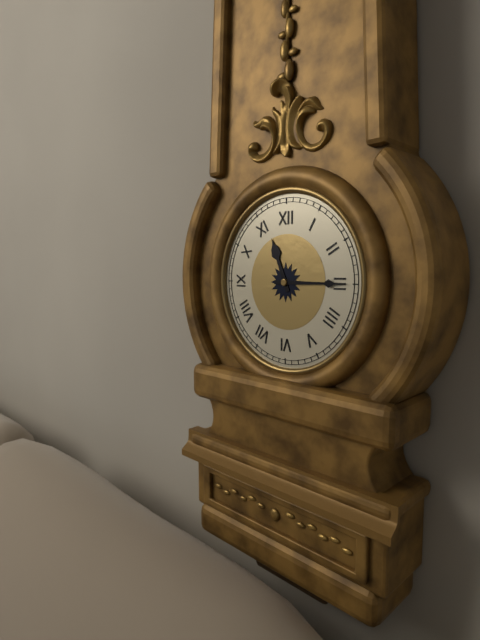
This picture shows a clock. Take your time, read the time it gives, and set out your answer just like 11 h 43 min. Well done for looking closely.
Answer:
11 h 15 min
